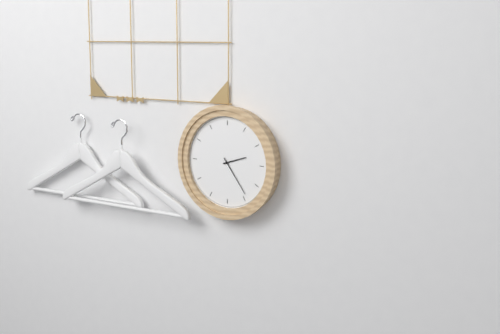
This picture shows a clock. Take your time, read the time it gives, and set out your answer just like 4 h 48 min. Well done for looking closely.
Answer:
2 h 24 min
